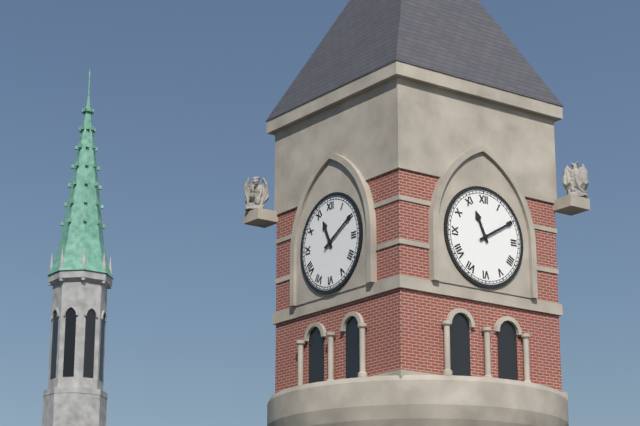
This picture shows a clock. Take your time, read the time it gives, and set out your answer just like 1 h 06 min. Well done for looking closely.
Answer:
11 h 10 min
